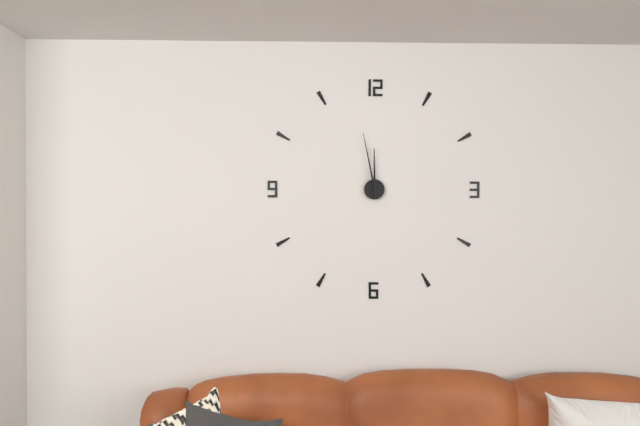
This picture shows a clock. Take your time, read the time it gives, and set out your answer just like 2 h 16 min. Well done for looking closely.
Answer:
11 h 58 min
